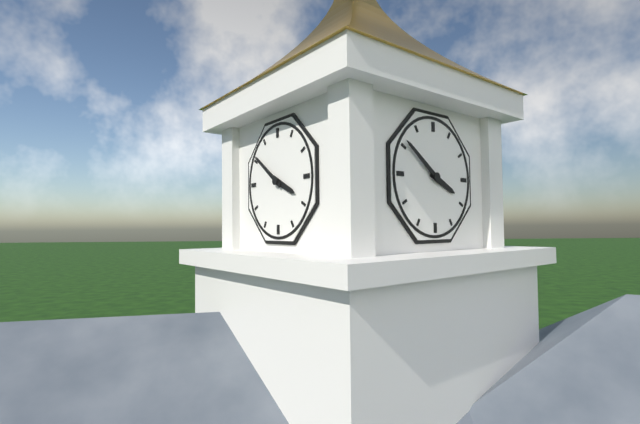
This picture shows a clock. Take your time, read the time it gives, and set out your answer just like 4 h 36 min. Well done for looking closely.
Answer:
3 h 51 min
